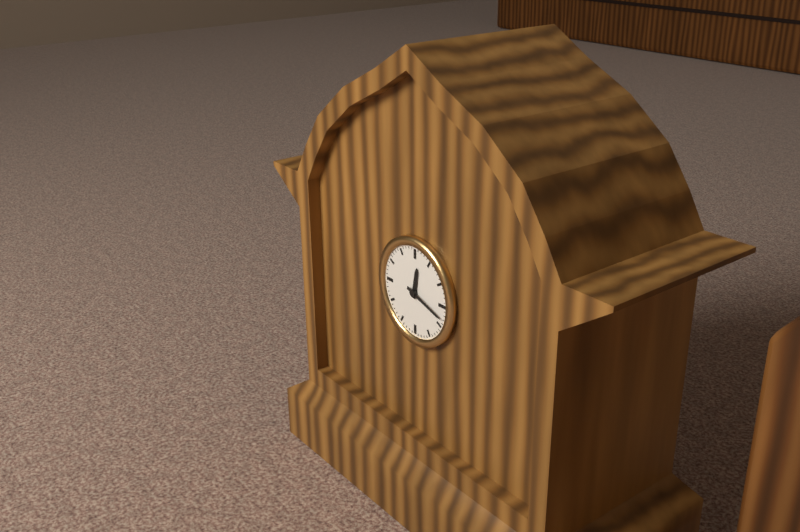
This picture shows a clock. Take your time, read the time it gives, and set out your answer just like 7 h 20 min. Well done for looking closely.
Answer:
12 h 18 min
